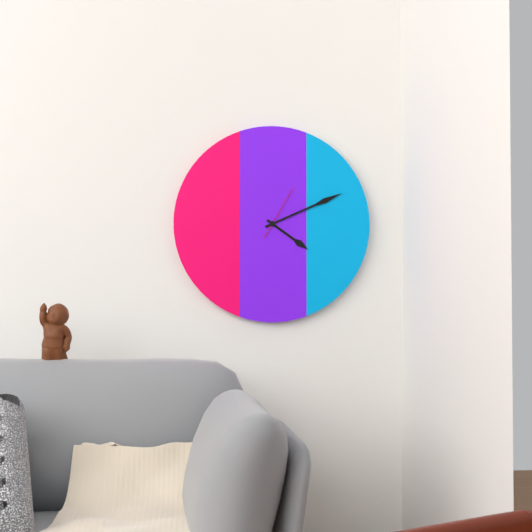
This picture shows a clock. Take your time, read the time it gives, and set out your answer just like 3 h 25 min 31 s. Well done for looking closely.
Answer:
4 h 11 min 05 s
